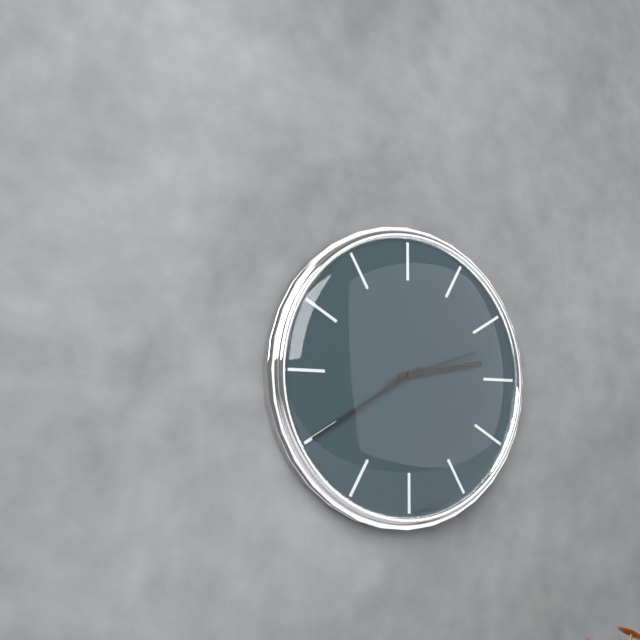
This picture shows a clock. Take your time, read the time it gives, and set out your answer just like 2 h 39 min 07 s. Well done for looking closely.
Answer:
2 h 40 min 12 s
